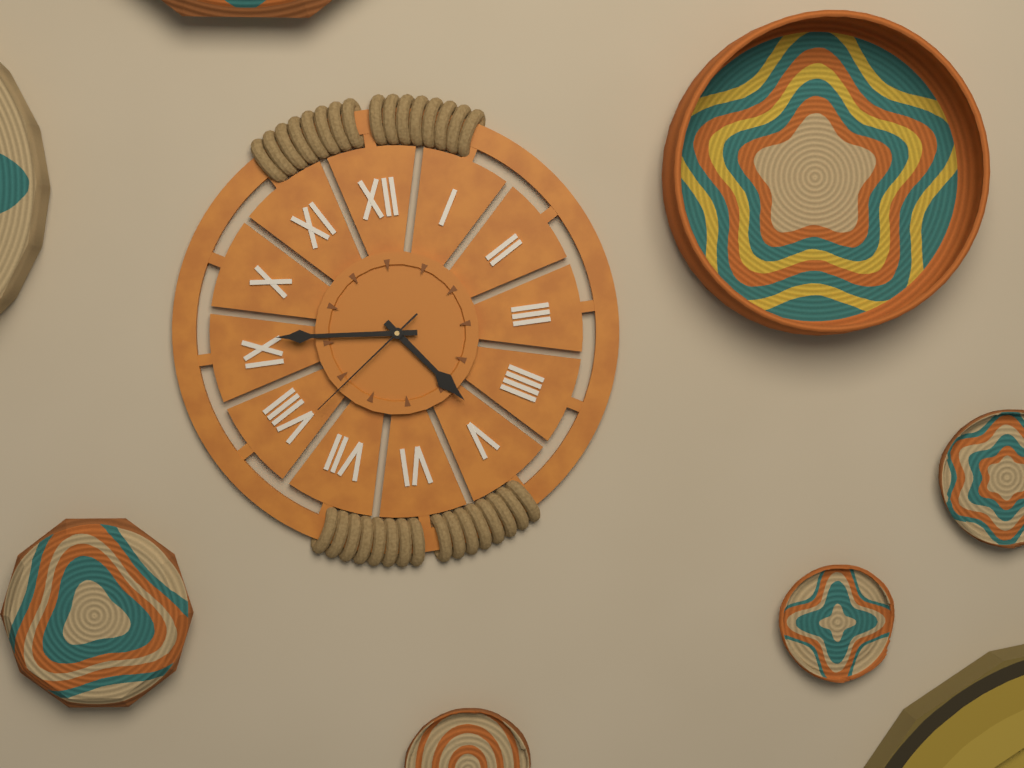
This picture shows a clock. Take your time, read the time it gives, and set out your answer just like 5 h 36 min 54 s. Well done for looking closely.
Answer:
4 h 46 min 39 s
